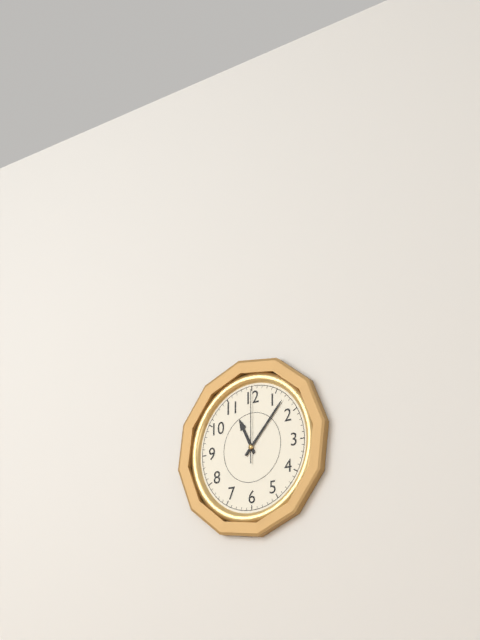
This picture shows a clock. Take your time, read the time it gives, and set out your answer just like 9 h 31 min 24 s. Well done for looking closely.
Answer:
11 h 07 min 00 s
